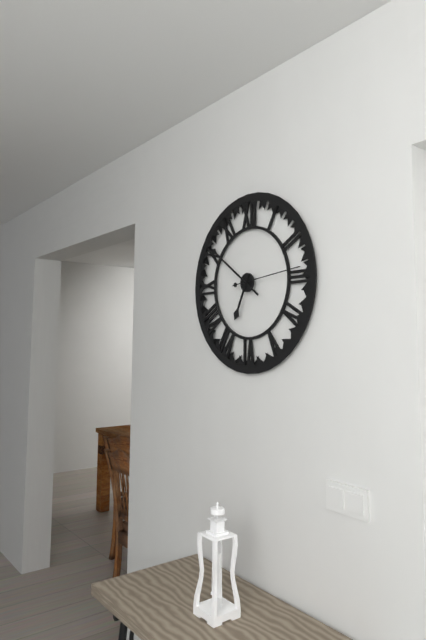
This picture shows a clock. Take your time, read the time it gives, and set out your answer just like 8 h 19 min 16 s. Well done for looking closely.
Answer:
6 h 51 min 14 s
